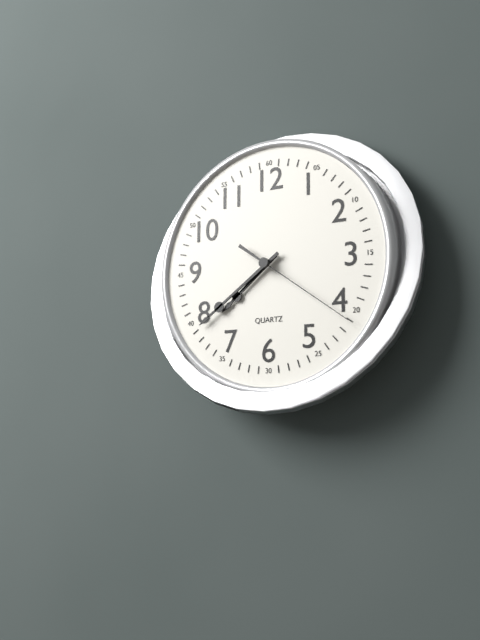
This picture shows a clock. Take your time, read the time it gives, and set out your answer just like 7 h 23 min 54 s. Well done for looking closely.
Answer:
7 h 39 min 21 s
